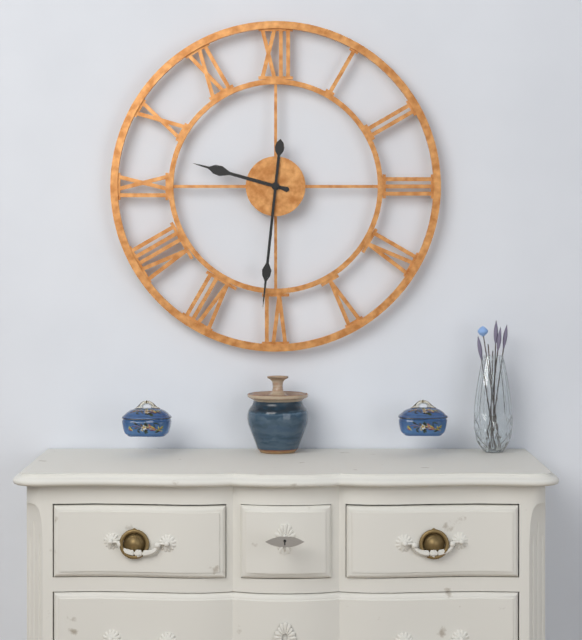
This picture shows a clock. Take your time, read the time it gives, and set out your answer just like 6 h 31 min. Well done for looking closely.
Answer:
9 h 31 min
